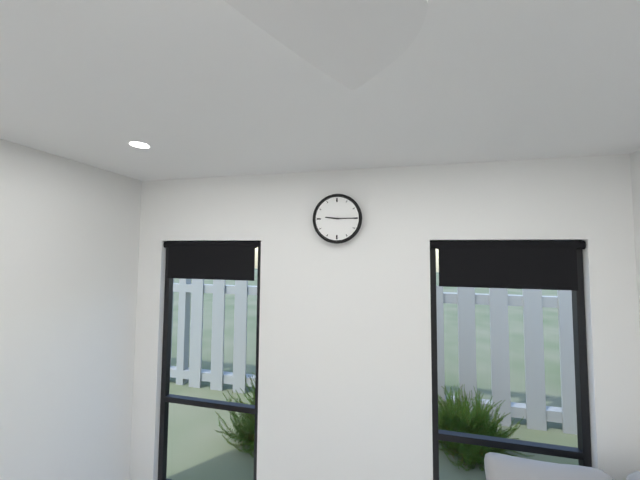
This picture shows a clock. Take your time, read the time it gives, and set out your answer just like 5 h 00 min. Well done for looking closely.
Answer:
9 h 15 min
